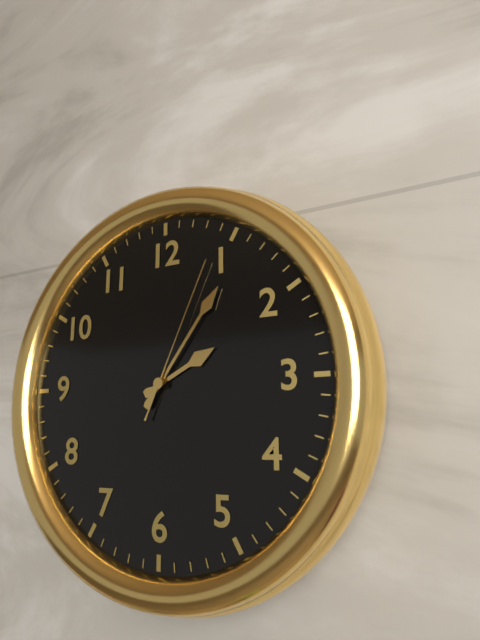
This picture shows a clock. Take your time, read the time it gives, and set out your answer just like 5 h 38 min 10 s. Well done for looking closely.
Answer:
2 h 06 min 04 s
